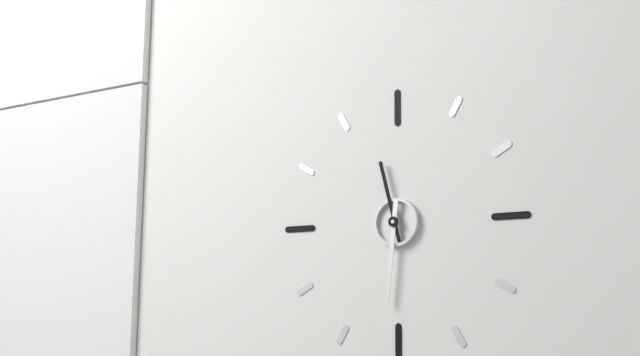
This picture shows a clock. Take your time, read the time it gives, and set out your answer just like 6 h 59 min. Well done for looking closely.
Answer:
11 h 31 min
